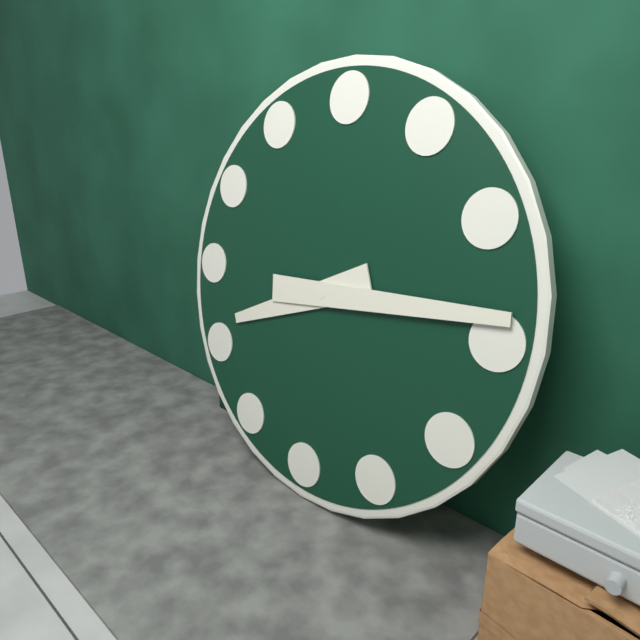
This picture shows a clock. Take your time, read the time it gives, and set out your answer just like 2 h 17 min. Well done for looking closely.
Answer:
8 h 14 min
